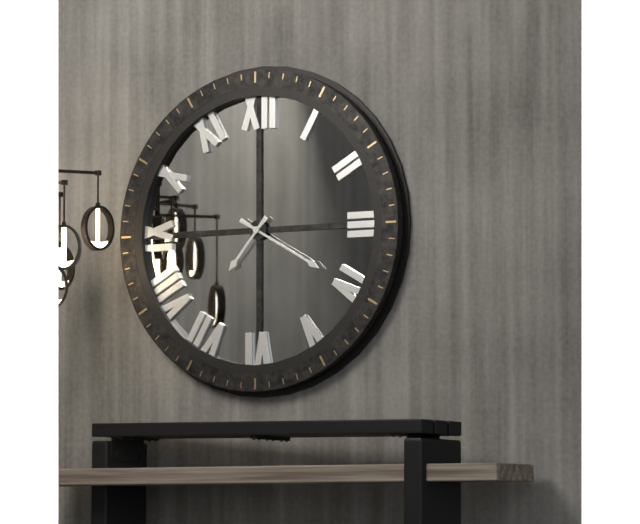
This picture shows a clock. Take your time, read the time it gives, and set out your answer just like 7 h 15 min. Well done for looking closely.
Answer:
7 h 20 min
